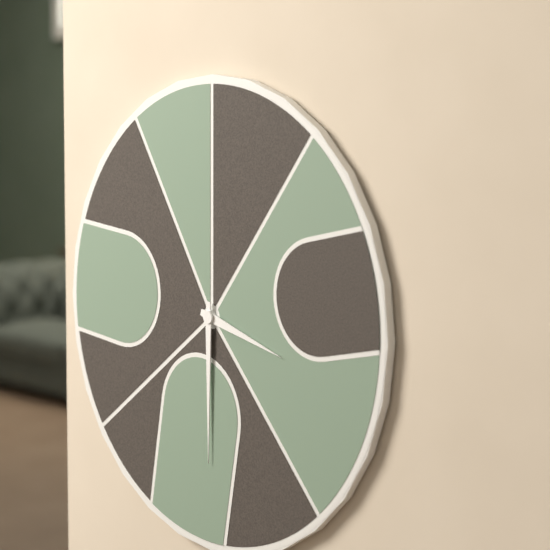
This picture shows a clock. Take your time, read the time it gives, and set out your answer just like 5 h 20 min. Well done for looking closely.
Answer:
3 h 30 min
